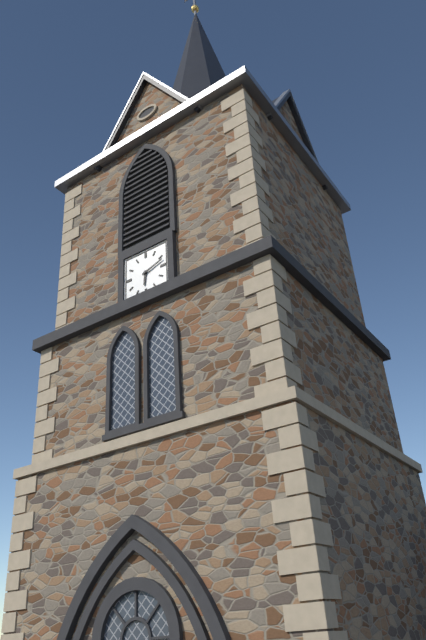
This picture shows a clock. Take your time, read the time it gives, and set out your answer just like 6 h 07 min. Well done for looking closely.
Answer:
6 h 12 min
